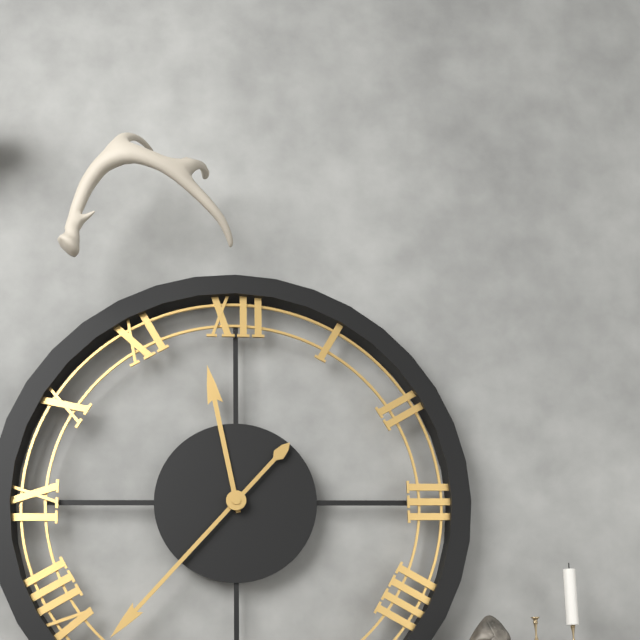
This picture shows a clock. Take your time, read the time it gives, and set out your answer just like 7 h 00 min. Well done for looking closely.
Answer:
11 h 37 min
